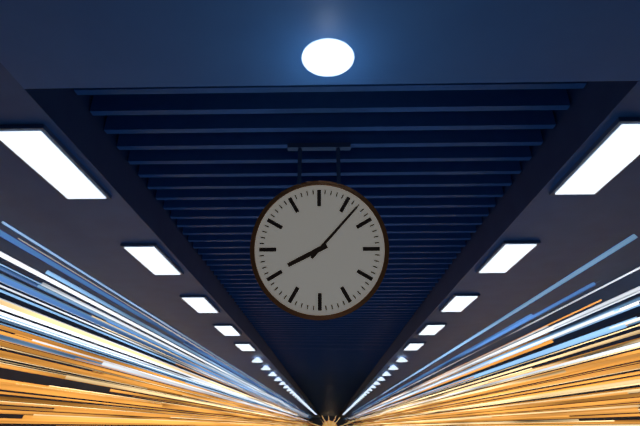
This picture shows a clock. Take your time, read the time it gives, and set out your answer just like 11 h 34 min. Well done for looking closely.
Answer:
8 h 07 min
